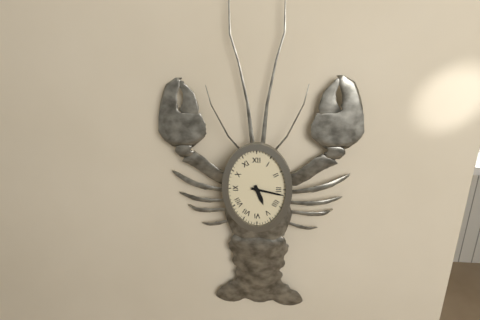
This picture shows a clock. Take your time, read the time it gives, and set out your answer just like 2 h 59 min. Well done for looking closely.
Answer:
5 h 17 min
